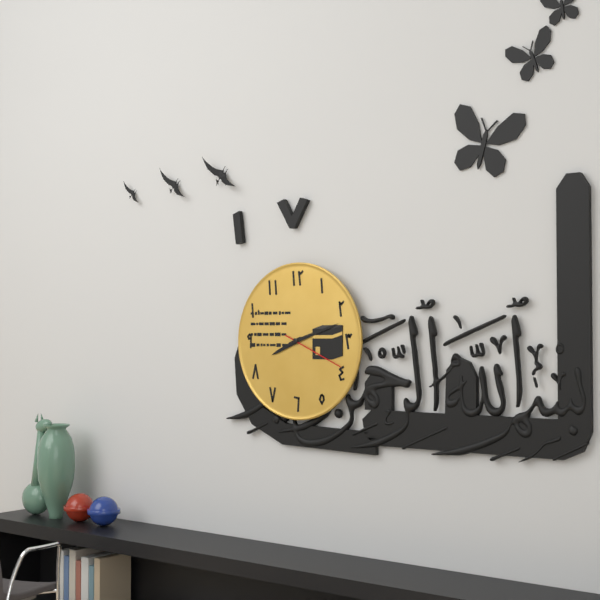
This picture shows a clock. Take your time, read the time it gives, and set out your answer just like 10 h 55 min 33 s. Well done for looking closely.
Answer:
8 h 12 min 19 s
